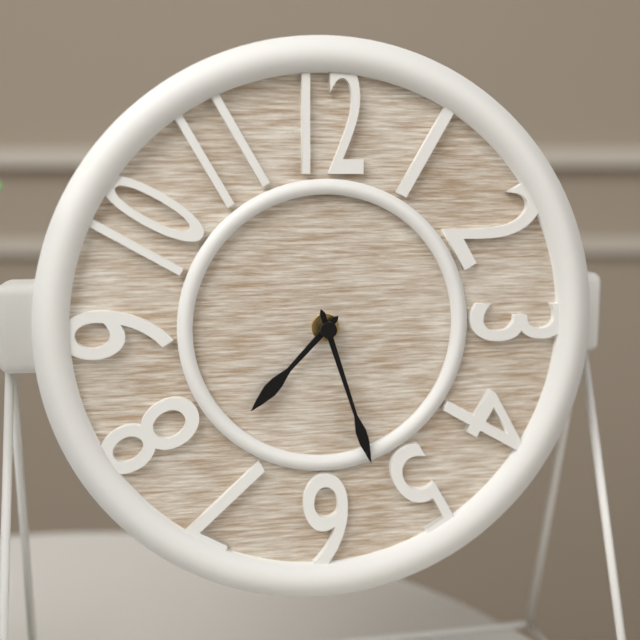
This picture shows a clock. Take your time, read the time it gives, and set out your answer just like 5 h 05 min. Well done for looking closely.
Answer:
7 h 27 min
